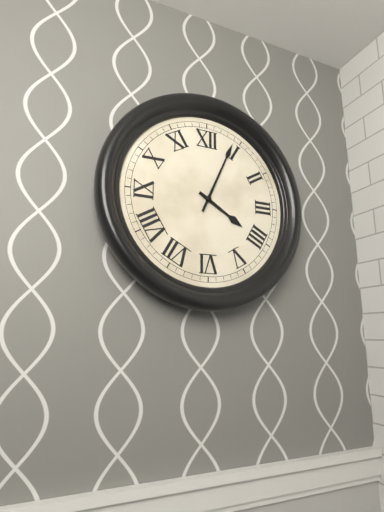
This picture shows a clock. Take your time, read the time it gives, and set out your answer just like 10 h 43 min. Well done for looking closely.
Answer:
4 h 04 min
